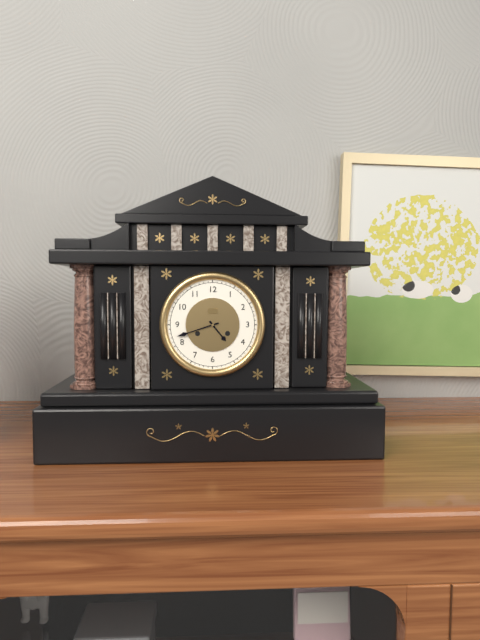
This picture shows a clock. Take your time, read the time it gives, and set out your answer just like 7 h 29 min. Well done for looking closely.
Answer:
4 h 42 min
